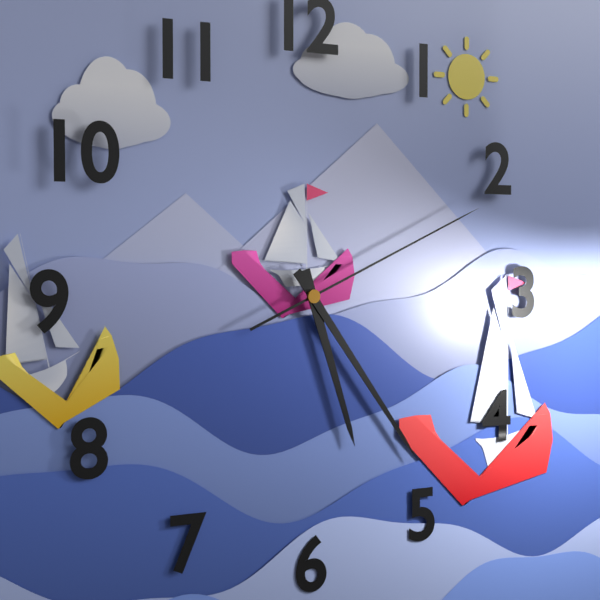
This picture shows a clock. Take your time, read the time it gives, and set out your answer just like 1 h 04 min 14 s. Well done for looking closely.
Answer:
5 h 24 min 11 s
